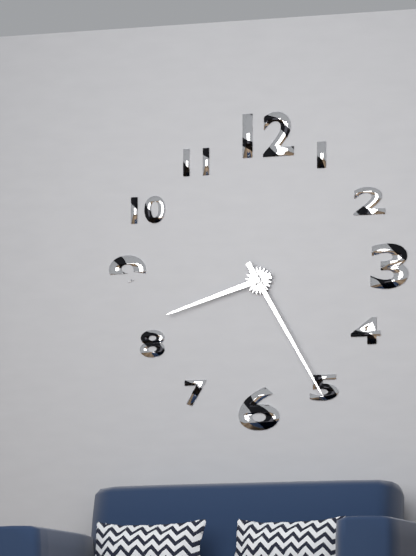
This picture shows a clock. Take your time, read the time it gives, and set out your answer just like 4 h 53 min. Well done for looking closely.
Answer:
8 h 25 min
